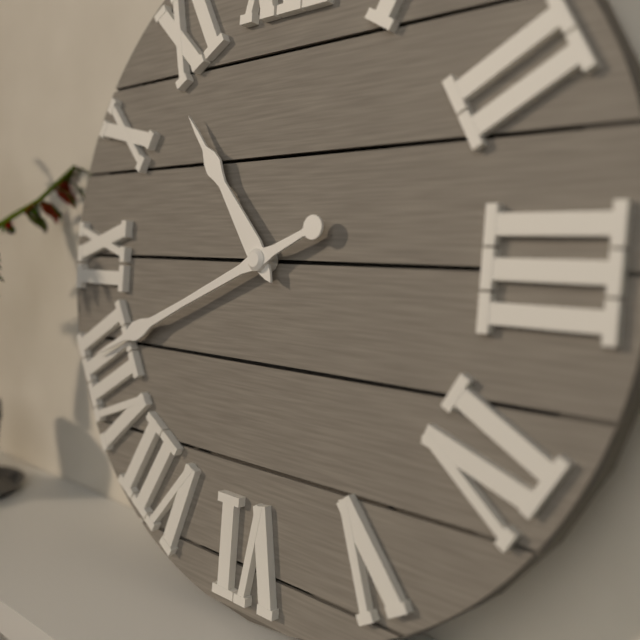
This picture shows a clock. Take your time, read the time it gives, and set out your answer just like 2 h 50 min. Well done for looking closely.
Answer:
10 h 41 min
